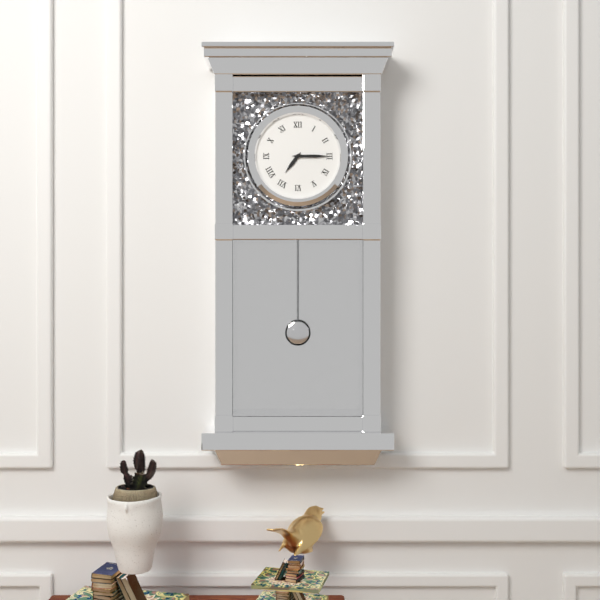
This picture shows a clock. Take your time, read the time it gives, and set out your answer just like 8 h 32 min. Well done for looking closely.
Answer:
7 h 15 min
